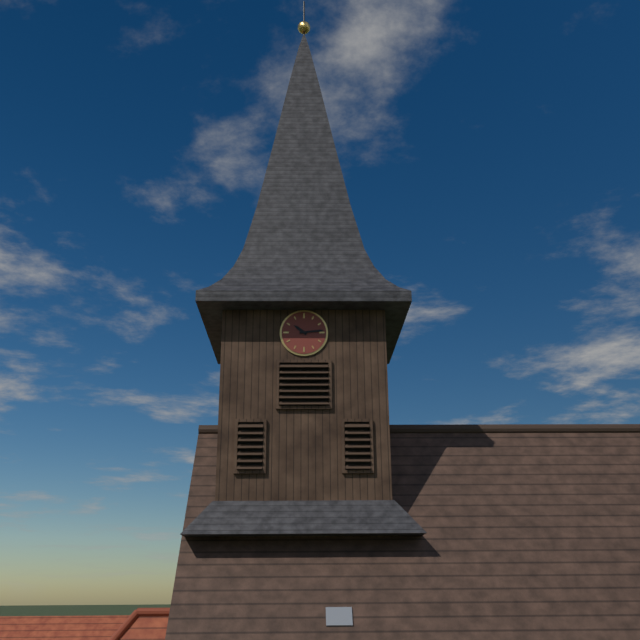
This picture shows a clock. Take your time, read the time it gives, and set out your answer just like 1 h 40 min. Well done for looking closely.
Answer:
10 h 14 min
